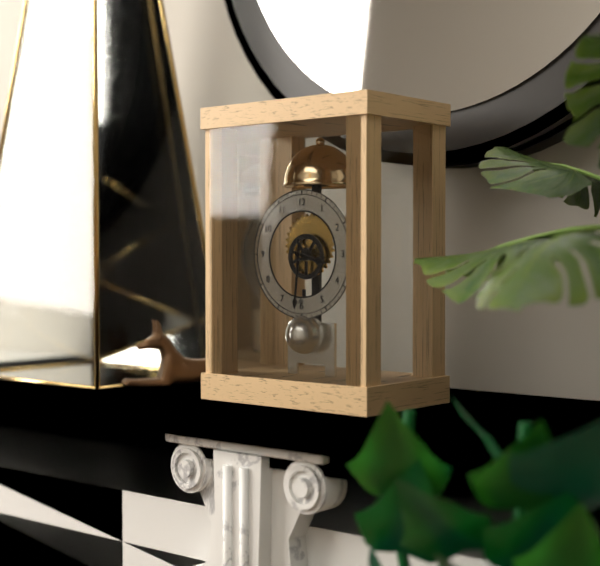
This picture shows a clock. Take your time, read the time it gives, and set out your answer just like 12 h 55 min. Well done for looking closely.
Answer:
3 h 31 min
